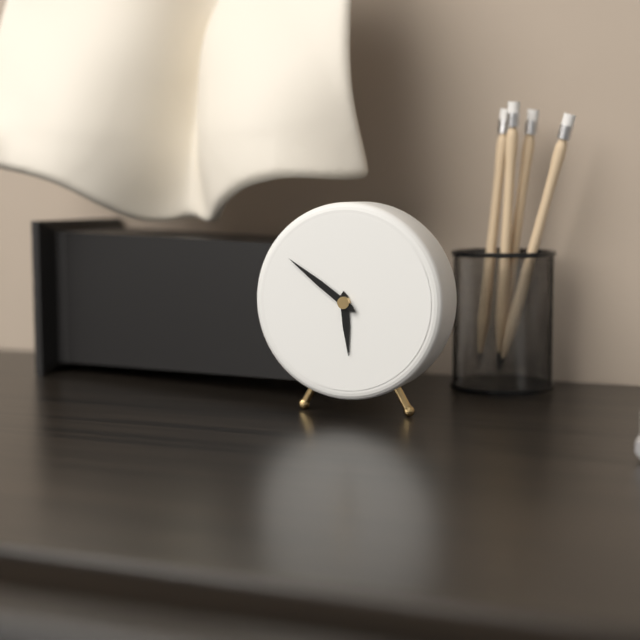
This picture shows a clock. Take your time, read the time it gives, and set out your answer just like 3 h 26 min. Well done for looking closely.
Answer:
5 h 51 min
